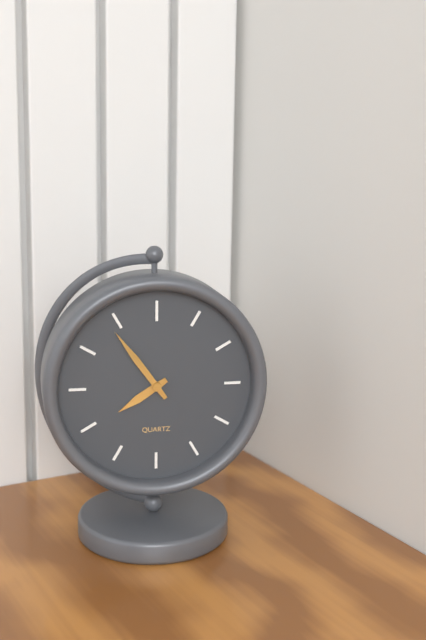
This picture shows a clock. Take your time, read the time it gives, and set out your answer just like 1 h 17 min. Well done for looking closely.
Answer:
7 h 54 min
